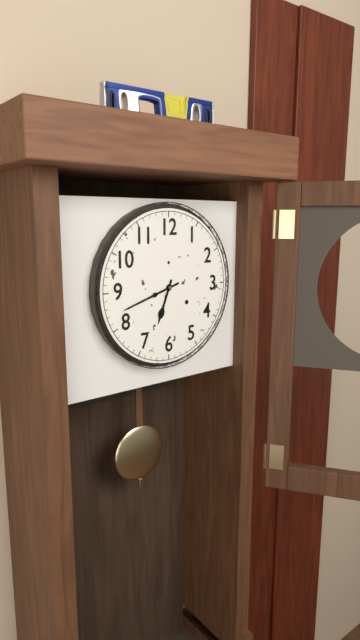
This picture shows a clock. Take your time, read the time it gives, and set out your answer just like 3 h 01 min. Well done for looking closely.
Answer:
6 h 42 min
